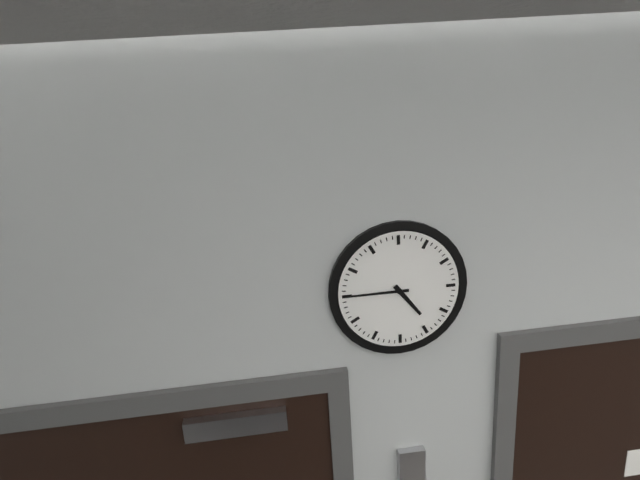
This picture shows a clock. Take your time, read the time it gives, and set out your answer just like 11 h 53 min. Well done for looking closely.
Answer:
4 h 45 min
